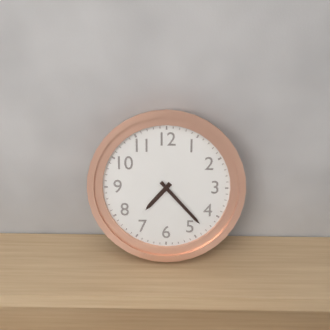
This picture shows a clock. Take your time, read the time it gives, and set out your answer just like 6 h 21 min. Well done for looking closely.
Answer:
7 h 23 min
